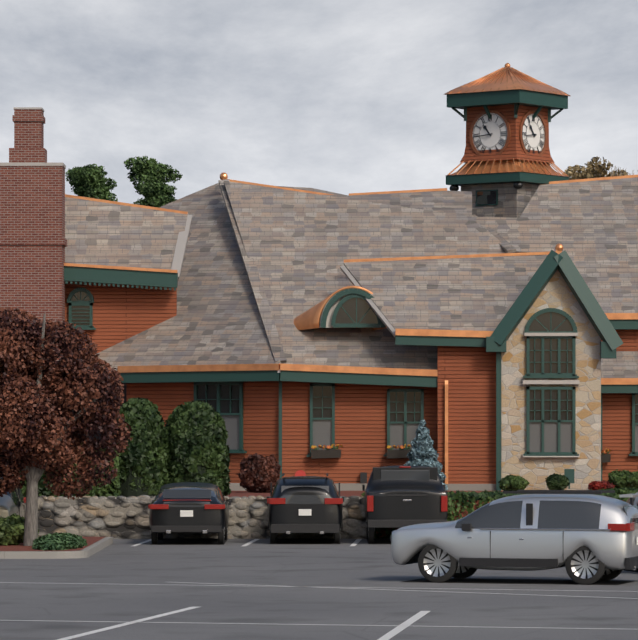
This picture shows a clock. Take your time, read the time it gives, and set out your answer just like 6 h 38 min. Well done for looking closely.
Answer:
10 h 44 min
